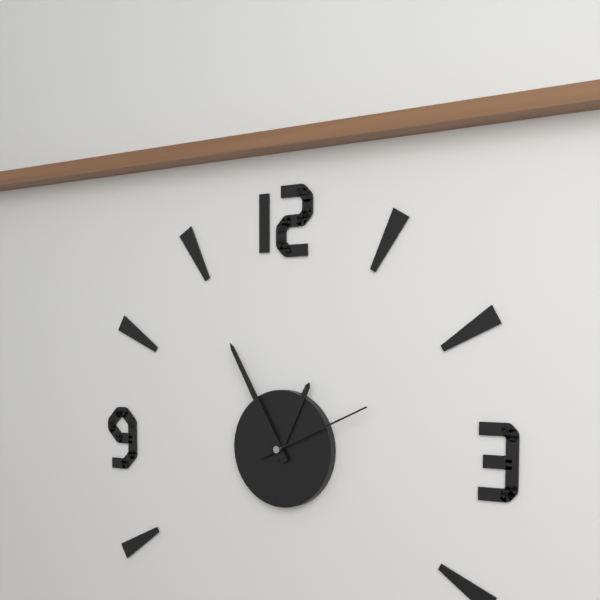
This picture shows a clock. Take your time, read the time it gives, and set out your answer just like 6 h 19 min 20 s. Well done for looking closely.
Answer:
12 h 55 min 11 s
